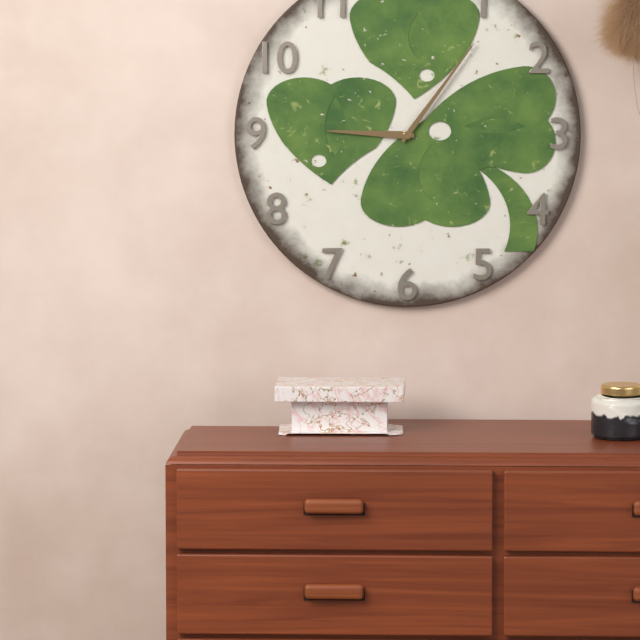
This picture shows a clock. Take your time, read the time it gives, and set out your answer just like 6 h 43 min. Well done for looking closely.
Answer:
9 h 06 min
